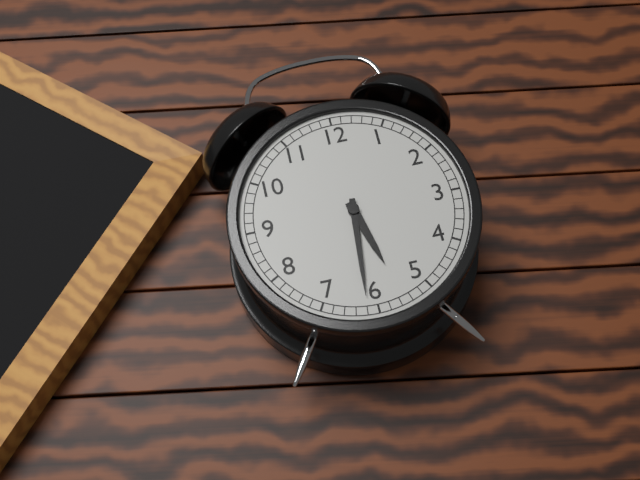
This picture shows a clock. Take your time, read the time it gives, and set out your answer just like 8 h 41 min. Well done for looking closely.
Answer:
5 h 31 min
